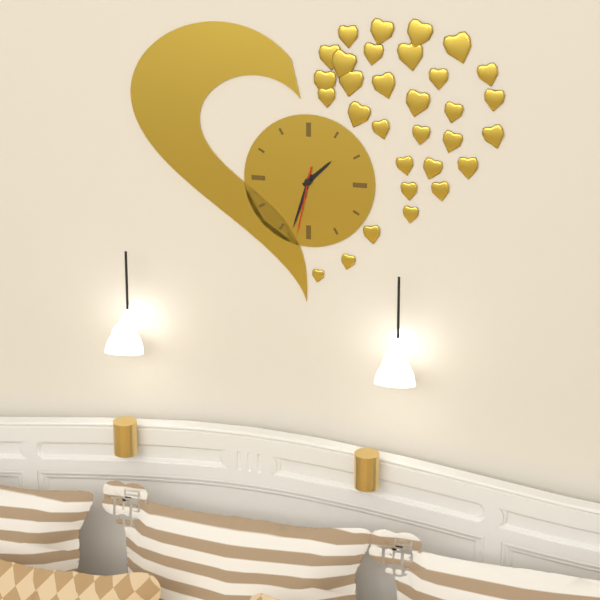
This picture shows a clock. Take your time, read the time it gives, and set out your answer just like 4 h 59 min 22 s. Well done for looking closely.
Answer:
1 h 33 min 32 s
